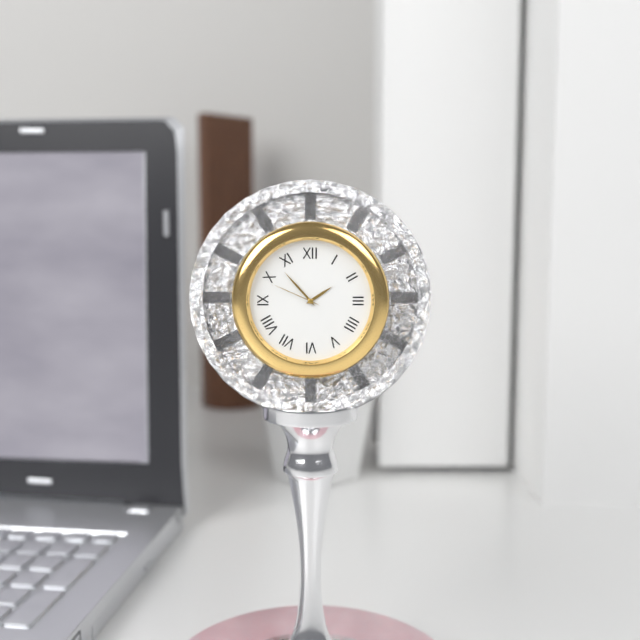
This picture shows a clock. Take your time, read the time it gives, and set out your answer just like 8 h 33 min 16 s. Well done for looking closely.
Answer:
1 h 53 min 49 s
